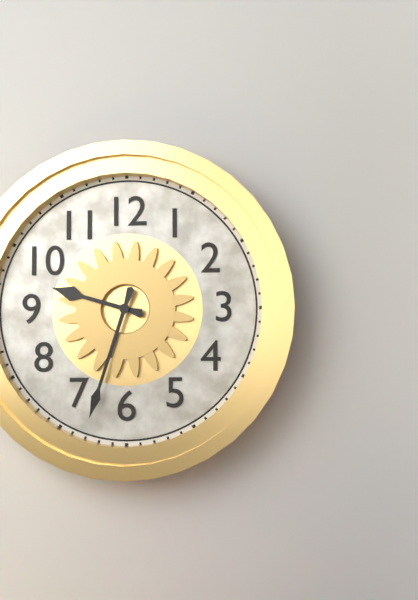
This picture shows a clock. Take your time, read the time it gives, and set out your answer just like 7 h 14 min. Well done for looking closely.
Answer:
9 h 33 min
